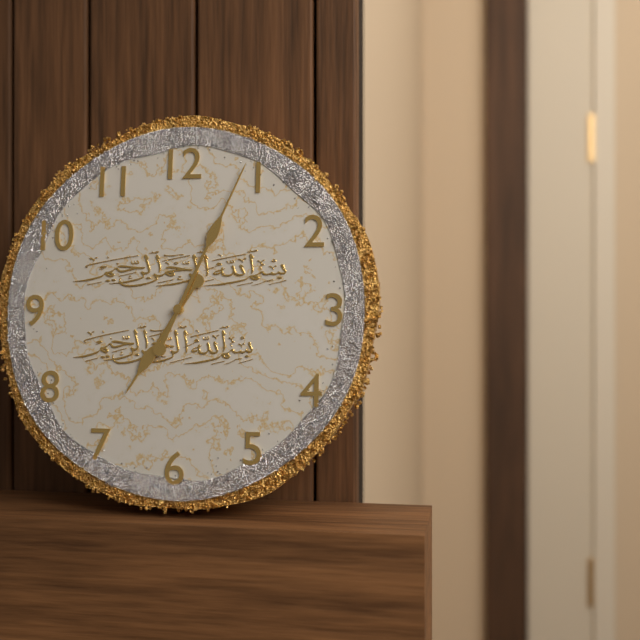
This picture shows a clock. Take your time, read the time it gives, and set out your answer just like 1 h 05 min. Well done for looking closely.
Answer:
7 h 04 min
